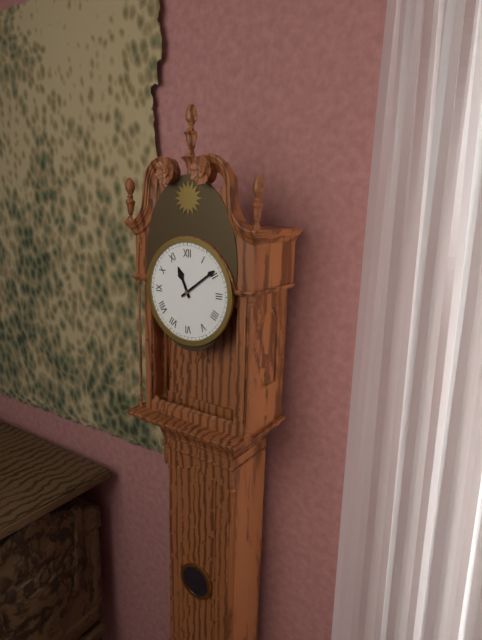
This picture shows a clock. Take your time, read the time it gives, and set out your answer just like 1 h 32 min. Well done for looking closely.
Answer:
11 h 09 min
